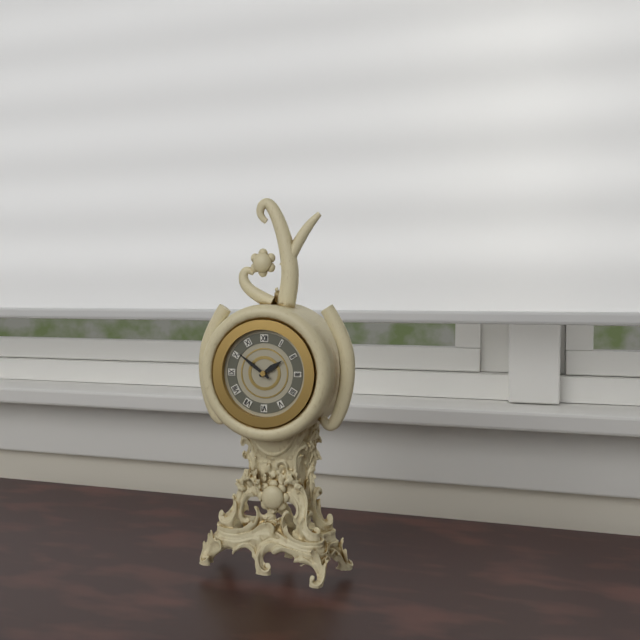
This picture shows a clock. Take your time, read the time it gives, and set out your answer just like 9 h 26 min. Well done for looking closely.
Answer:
1 h 51 min
